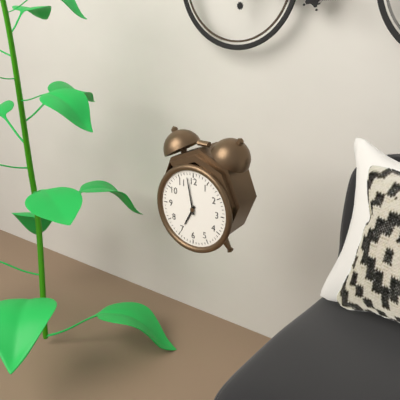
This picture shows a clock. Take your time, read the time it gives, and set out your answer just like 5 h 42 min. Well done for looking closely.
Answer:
6 h 58 min
